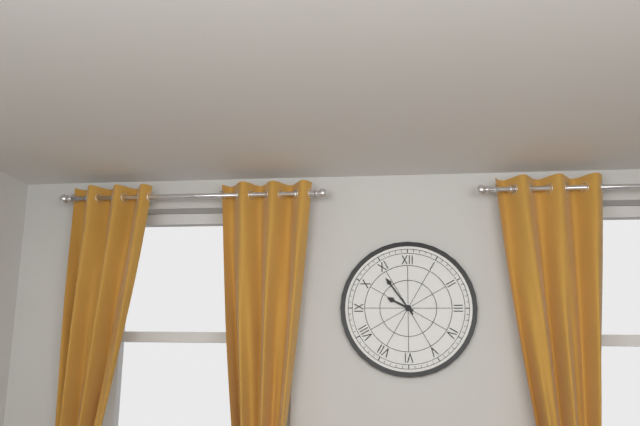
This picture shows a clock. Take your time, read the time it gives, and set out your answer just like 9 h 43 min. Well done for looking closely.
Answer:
9 h 54 min
